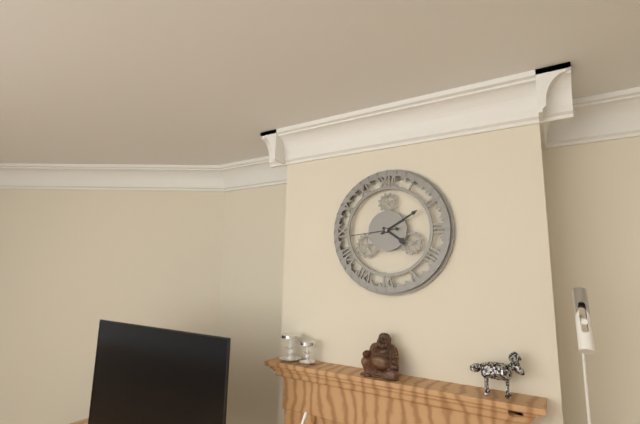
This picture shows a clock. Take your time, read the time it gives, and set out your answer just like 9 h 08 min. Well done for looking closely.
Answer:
4 h 10 min
